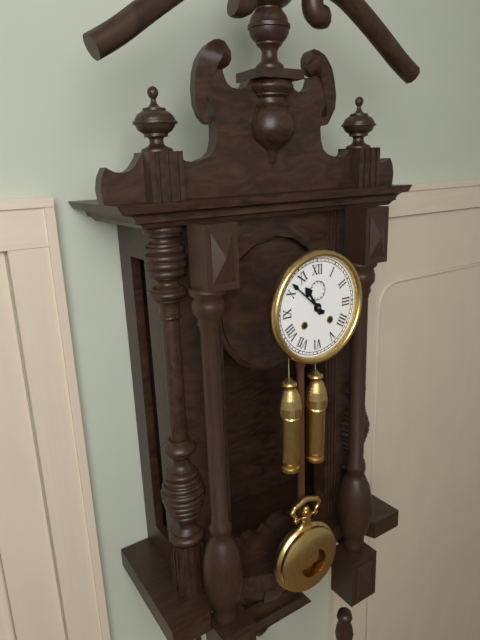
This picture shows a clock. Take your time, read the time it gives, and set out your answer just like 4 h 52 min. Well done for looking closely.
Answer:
10 h 52 min
